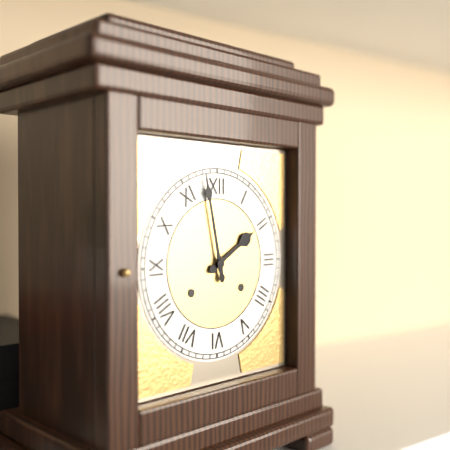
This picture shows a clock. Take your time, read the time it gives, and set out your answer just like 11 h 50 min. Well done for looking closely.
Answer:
1 h 58 min
